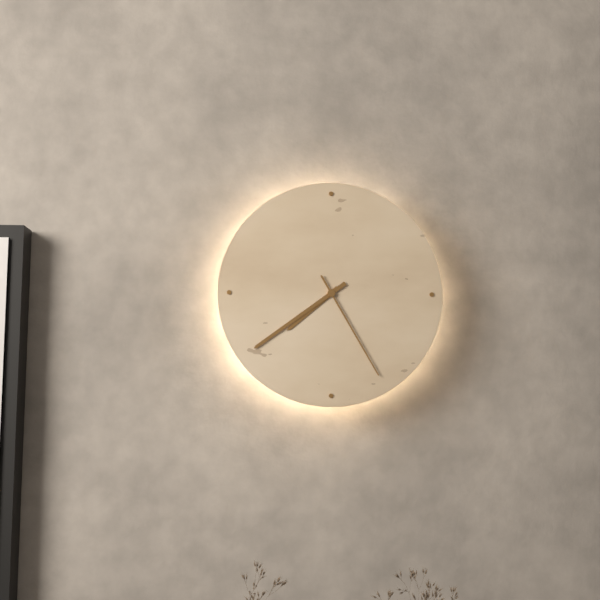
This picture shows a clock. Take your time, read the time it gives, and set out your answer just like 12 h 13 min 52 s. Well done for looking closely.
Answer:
7 h 39 min 25 s
